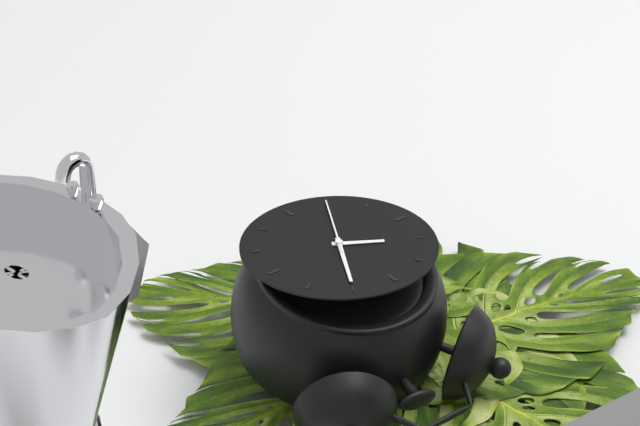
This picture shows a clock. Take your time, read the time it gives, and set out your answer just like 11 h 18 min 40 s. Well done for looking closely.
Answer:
10 h 05 min 35 s
